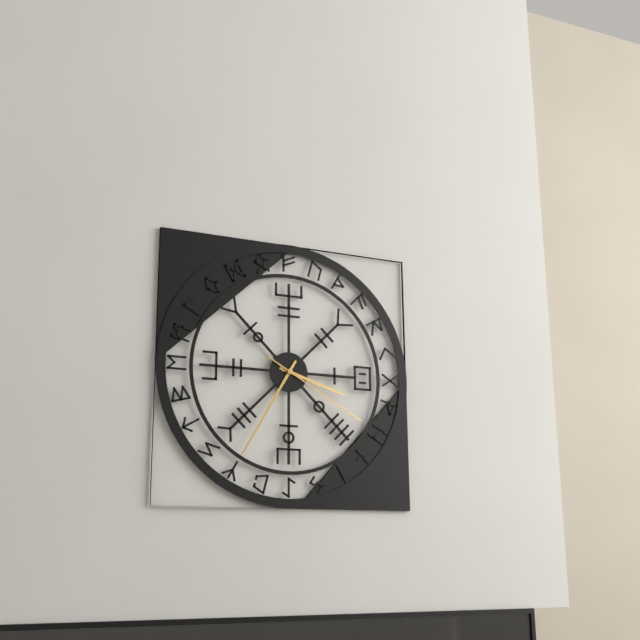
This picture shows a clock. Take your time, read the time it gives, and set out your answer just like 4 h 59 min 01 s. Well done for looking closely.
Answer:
3 h 35 min 20 s
